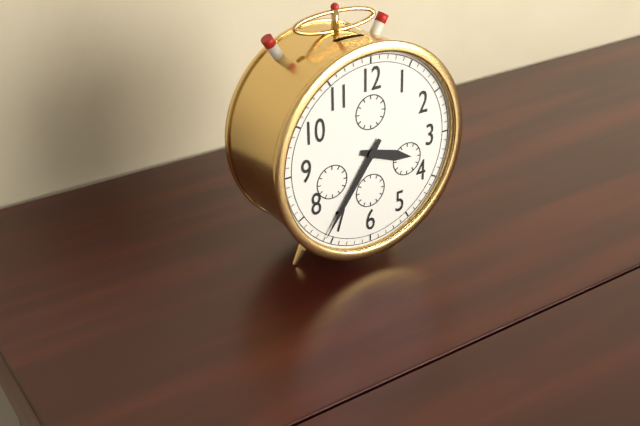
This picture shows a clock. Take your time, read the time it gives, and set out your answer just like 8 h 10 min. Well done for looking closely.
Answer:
3 h 36 min
